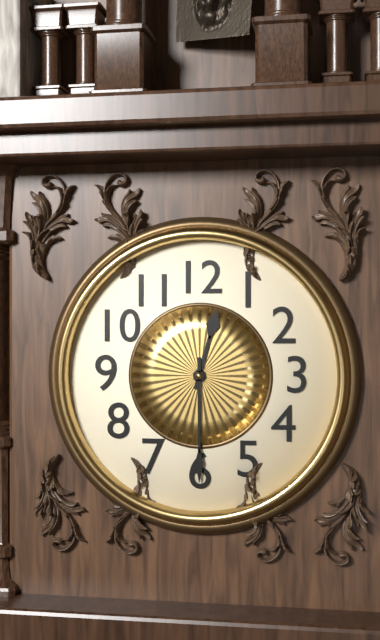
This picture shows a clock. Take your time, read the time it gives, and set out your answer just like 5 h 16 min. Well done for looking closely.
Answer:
12 h 30 min
